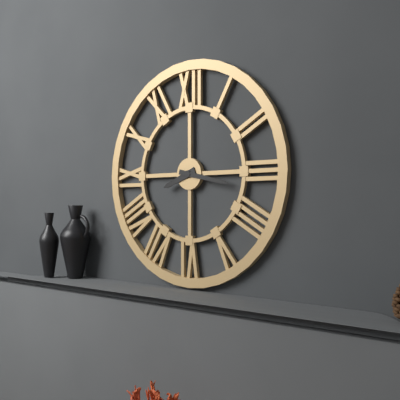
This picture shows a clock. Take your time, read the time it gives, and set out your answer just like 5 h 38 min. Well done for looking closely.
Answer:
8 h 17 min
